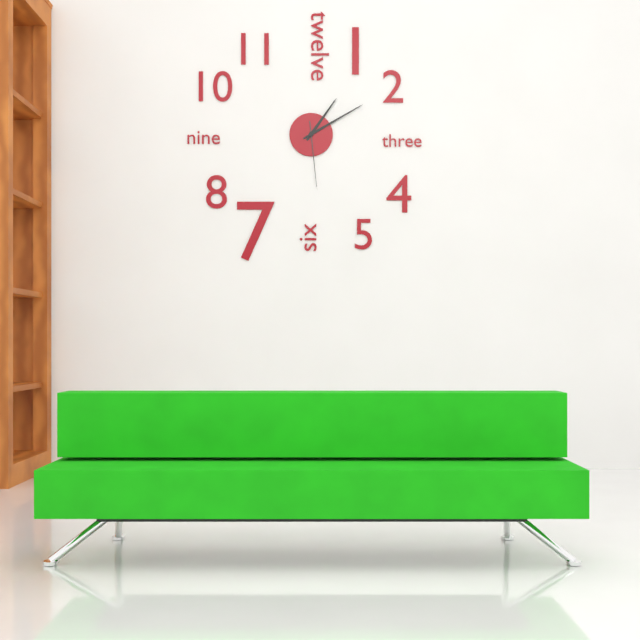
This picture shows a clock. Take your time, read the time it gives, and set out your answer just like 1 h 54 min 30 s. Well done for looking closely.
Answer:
1 h 10 min 29 s
